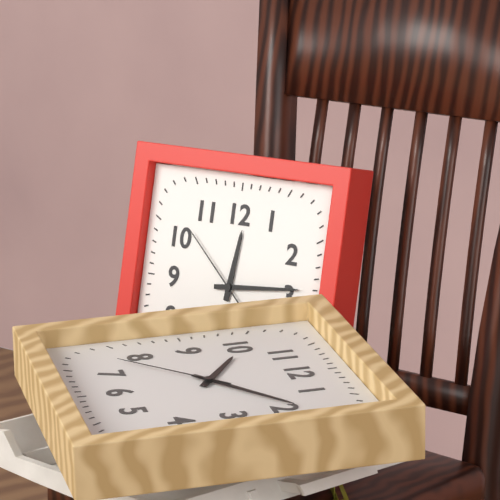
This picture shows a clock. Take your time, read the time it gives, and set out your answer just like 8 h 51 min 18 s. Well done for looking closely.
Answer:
12 h 14 min 52 s
